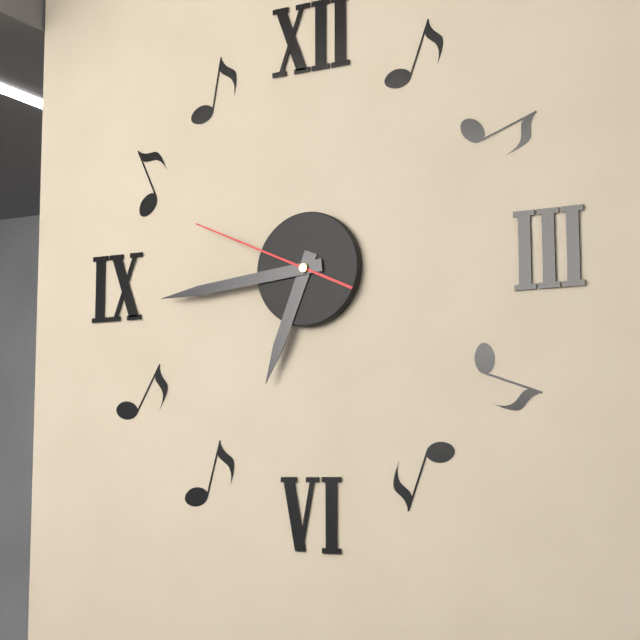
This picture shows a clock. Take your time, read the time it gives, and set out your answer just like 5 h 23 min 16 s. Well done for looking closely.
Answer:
6 h 44 min 49 s
